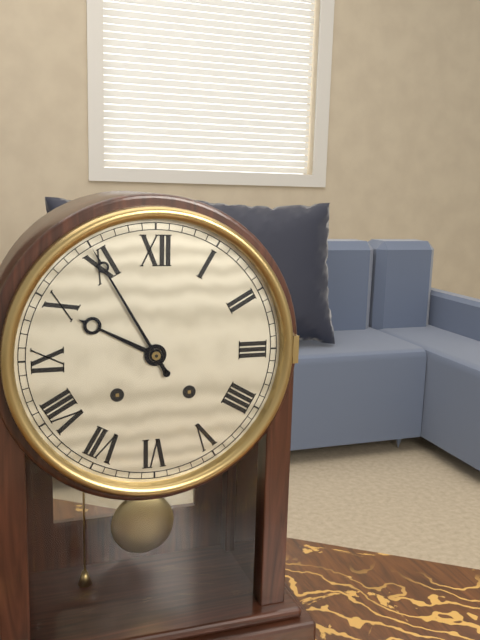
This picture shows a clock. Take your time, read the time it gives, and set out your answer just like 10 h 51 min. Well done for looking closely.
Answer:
9 h 55 min
